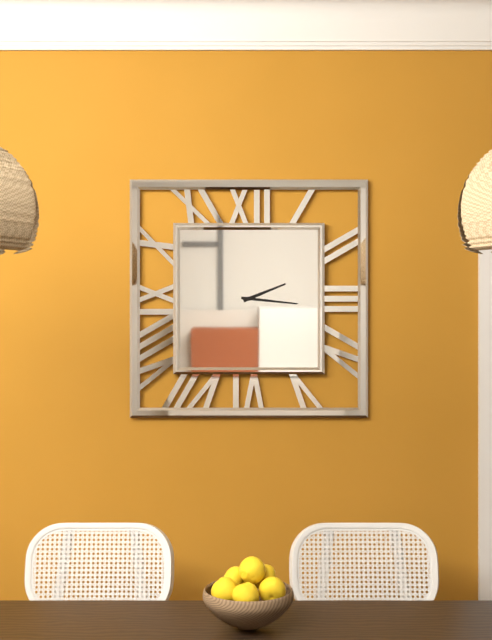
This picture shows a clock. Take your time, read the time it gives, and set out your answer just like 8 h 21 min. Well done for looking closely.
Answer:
2 h 16 min
